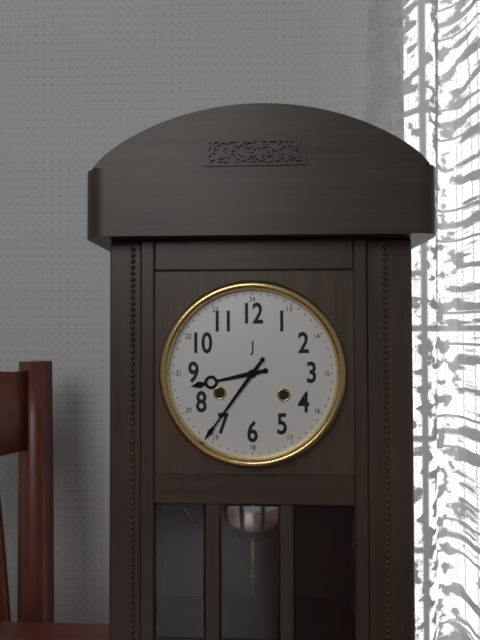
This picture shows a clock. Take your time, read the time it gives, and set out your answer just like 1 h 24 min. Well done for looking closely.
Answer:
8 h 36 min
